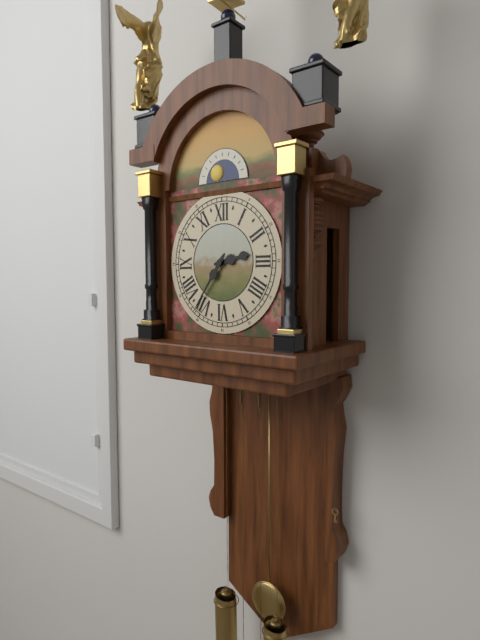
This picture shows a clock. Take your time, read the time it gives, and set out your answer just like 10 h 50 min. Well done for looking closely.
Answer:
2 h 36 min
